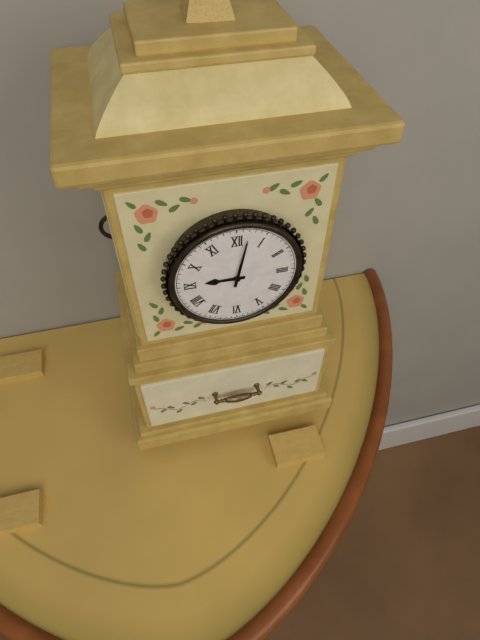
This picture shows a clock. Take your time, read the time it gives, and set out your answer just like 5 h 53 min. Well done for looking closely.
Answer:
9 h 02 min
